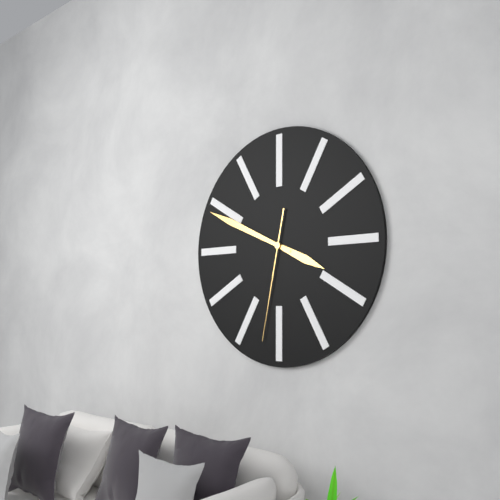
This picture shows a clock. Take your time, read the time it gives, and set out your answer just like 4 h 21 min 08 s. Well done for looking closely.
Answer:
3 h 49 min 32 s
